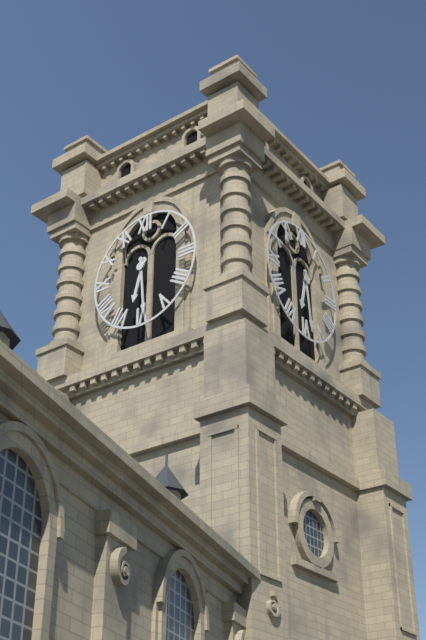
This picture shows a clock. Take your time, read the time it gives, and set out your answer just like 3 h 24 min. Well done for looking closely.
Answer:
6 h 29 min
